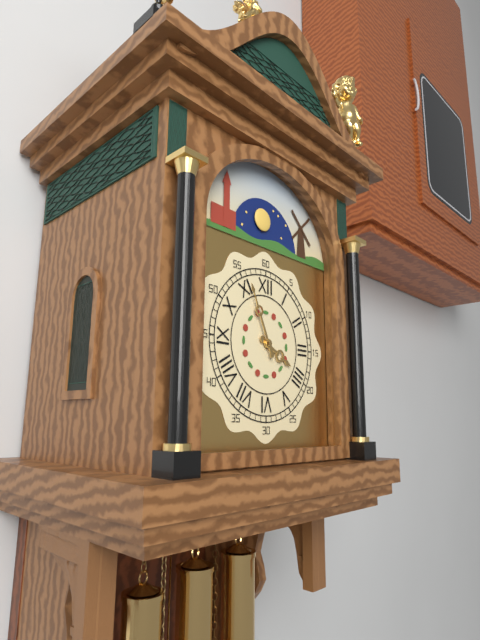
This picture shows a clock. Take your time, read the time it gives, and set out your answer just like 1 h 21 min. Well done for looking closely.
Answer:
3 h 56 min
